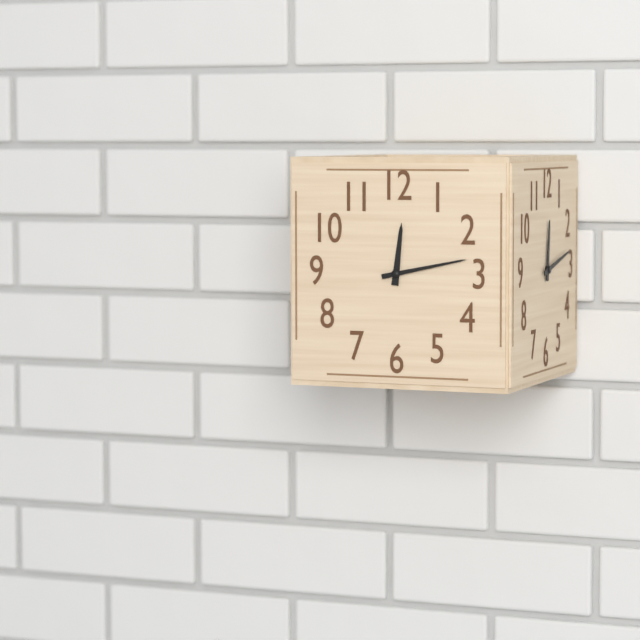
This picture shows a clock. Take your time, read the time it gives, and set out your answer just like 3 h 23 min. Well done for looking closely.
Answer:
12 h 13 min
